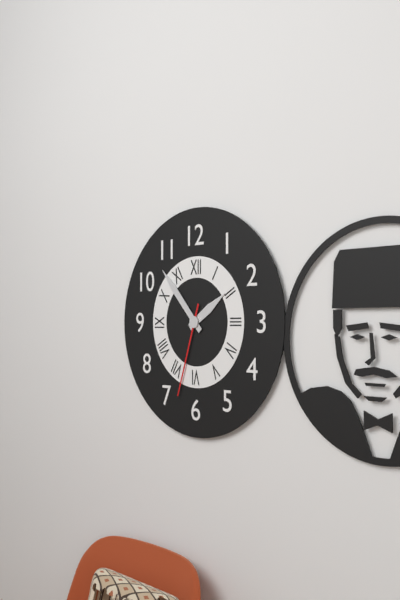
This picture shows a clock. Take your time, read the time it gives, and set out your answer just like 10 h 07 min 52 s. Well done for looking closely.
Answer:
1 h 53 min 33 s
